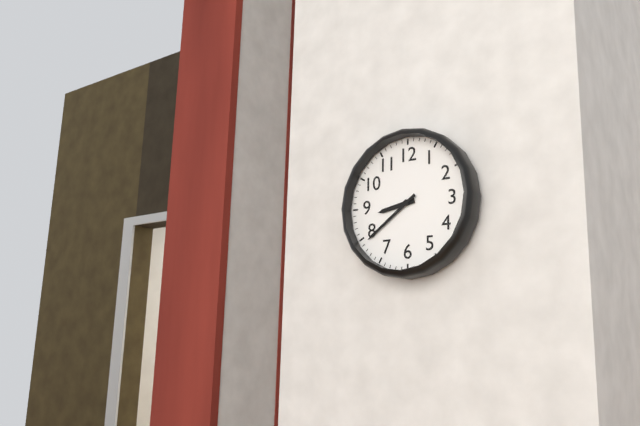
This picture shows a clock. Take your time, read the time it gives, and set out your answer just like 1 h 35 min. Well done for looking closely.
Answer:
8 h 39 min
